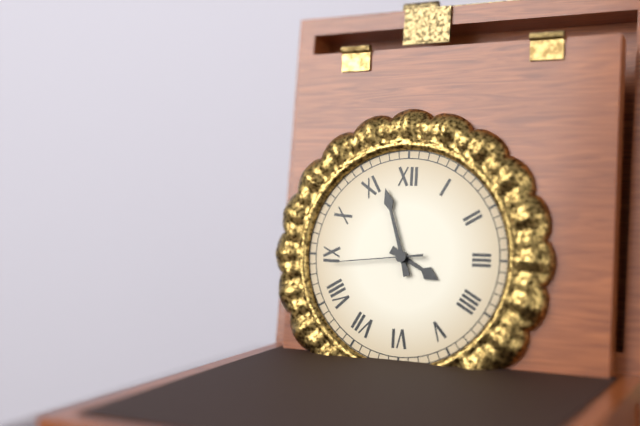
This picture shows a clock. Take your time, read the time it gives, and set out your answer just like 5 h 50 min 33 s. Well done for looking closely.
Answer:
3 h 57 min 44 s
